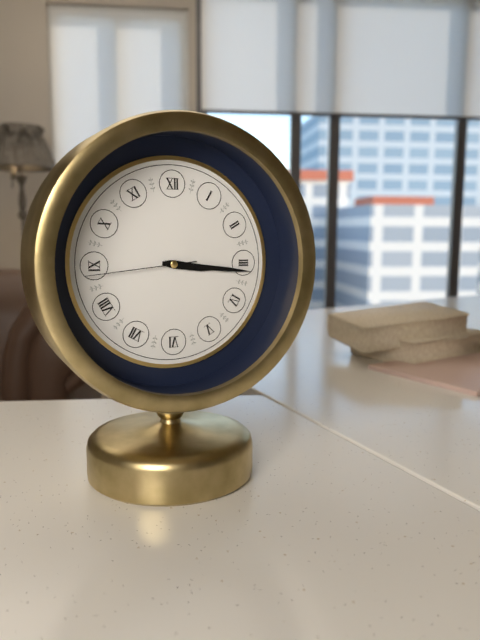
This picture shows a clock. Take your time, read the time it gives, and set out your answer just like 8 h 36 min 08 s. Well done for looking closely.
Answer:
3 h 16 min 44 s
